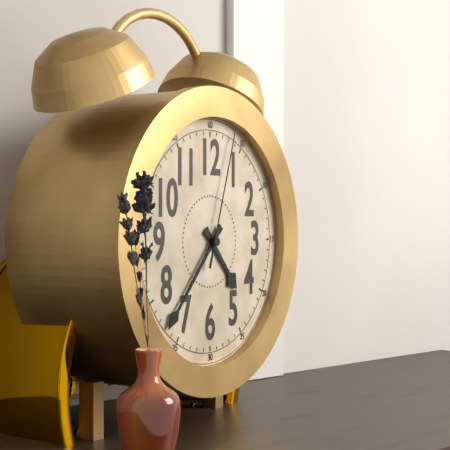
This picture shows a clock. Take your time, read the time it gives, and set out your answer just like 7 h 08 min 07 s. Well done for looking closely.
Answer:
4 h 37 min 03 s
